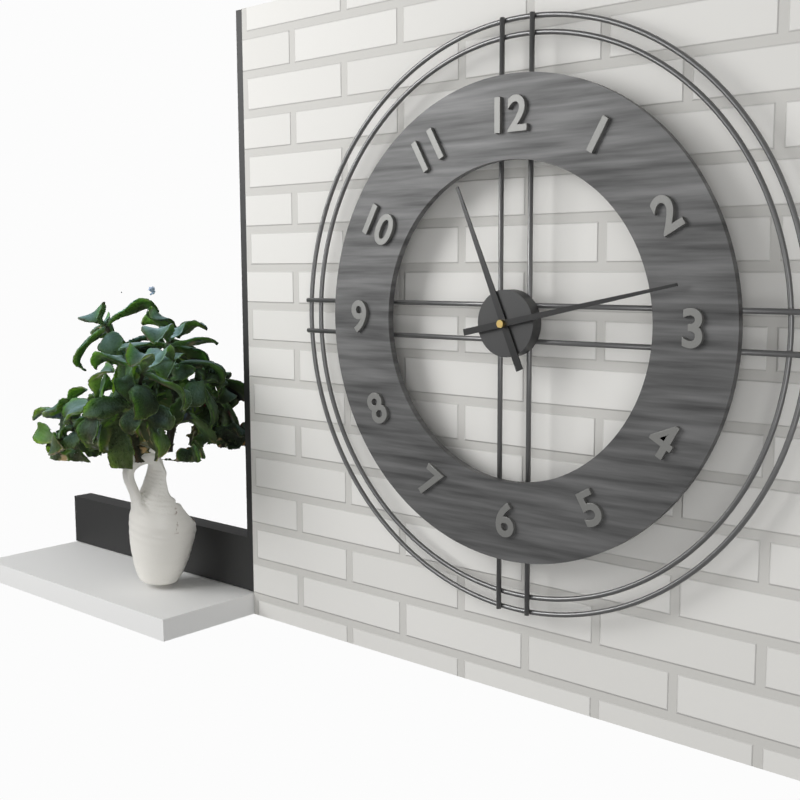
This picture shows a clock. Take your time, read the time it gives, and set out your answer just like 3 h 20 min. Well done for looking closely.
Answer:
11 h 13 min
